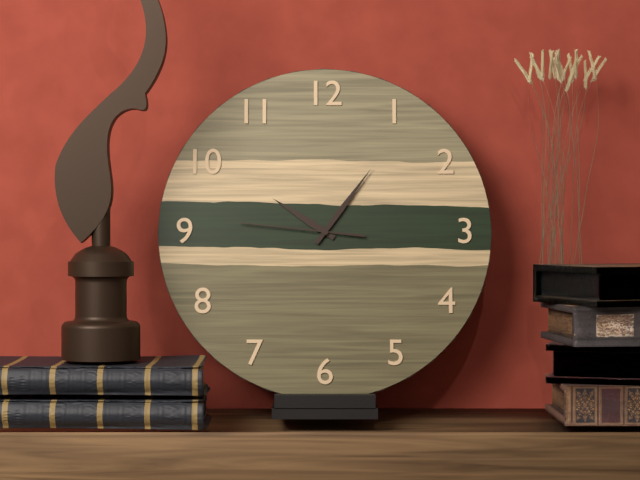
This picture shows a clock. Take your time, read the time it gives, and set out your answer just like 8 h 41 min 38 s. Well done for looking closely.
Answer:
10 h 06 min 46 s
